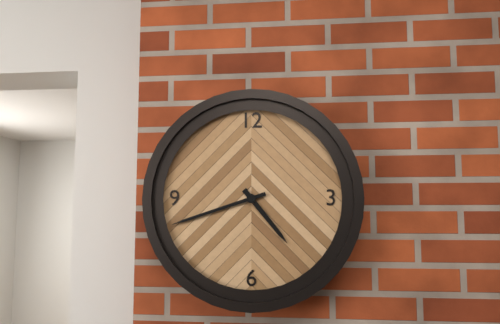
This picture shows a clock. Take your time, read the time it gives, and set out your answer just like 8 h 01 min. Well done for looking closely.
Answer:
4 h 42 min
